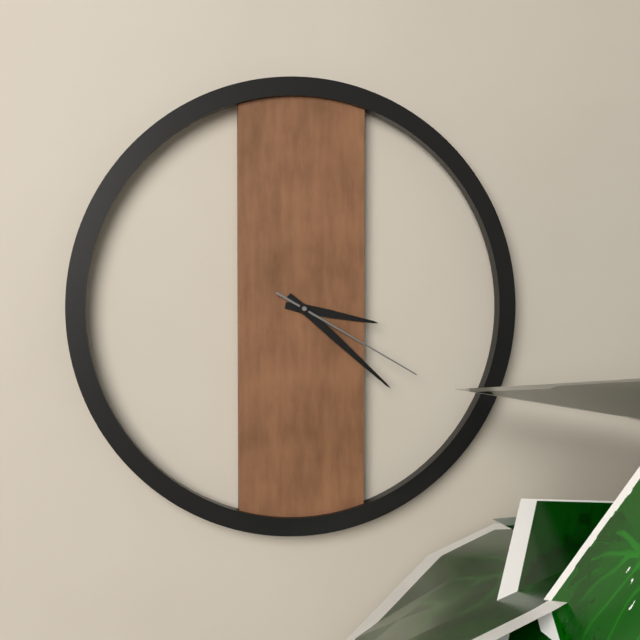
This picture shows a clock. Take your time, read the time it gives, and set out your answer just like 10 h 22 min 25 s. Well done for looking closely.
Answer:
3 h 22 min 20 s
